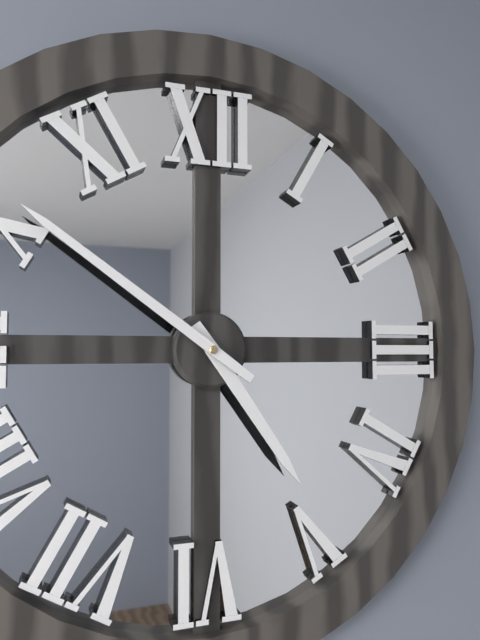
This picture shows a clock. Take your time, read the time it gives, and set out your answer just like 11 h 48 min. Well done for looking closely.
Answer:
4 h 51 min
